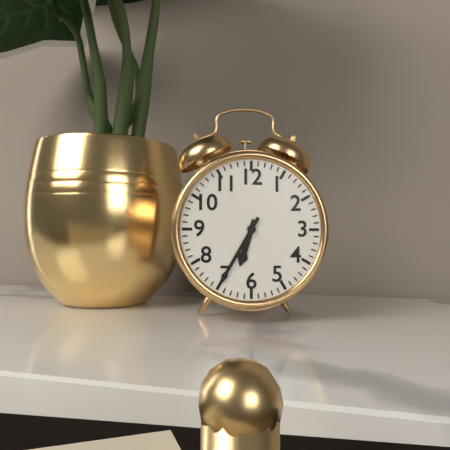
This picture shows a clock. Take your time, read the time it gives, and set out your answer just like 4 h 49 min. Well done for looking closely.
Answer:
6 h 35 min
